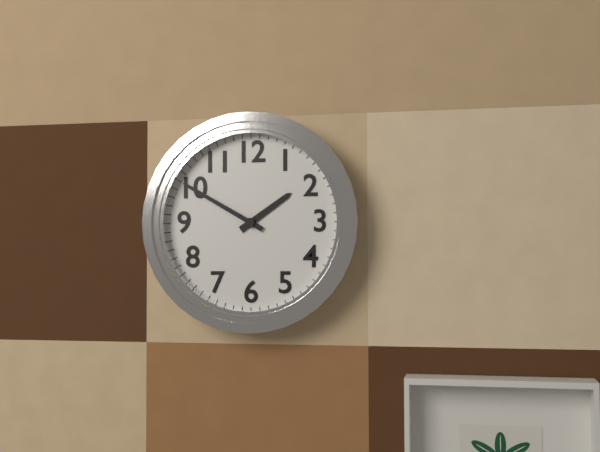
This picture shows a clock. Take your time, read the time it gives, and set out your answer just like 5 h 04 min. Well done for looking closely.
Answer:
1 h 50 min
